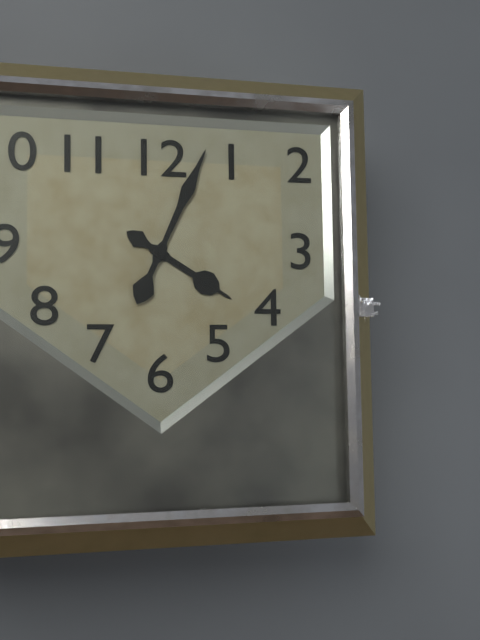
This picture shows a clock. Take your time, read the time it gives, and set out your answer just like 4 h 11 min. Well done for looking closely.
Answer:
4 h 04 min
